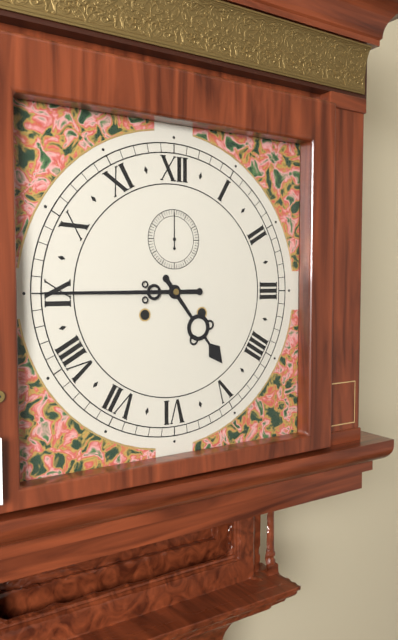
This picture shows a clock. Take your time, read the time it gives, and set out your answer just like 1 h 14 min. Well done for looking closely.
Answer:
4 h 45 min
